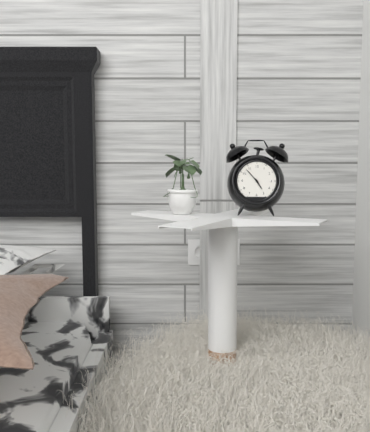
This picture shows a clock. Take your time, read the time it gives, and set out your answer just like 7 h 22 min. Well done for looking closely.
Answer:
4 h 53 min
